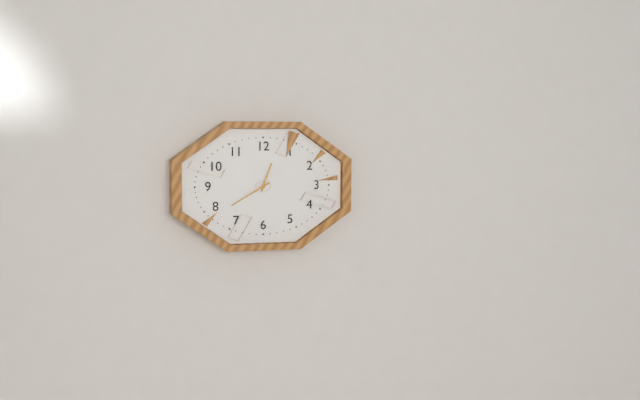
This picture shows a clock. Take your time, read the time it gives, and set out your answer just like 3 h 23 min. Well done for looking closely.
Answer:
12 h 40 min
